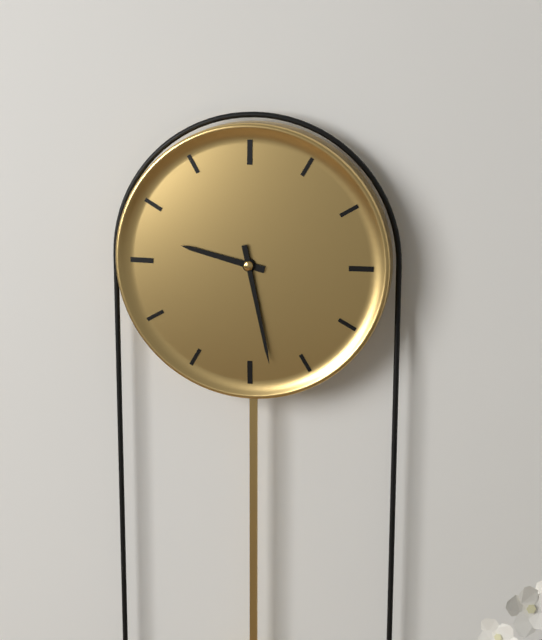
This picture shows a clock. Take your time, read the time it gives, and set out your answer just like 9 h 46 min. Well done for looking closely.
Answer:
9 h 28 min
